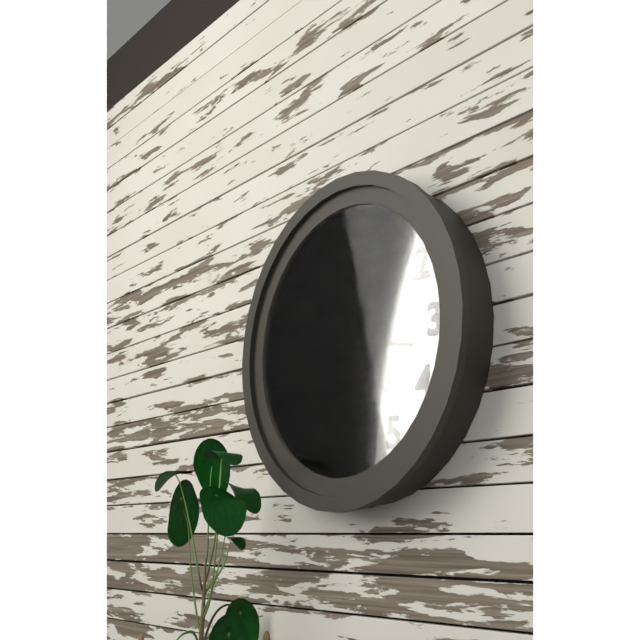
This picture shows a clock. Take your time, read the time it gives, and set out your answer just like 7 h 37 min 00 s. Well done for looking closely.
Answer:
12 h 17 min 23 s
